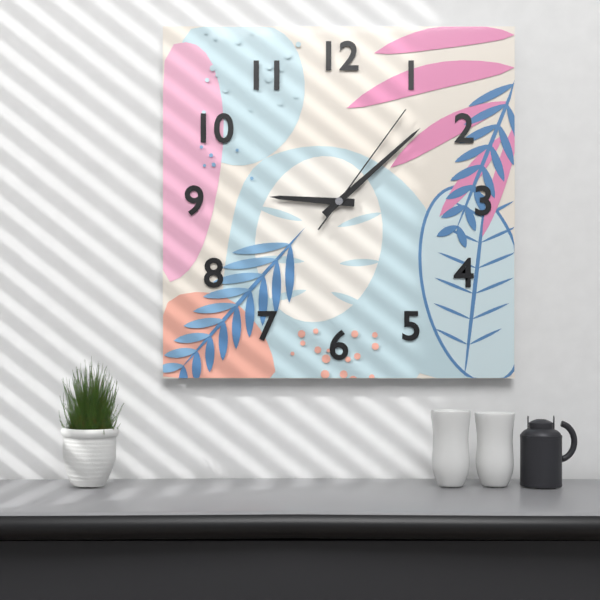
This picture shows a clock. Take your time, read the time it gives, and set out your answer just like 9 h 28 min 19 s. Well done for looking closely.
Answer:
9 h 08 min 06 s
